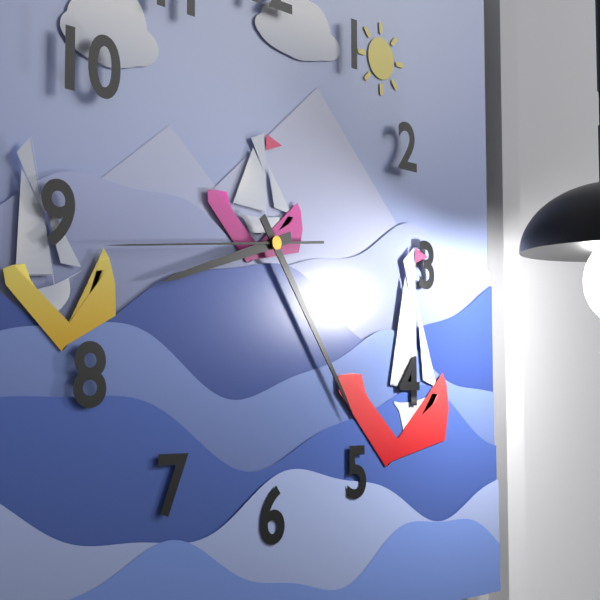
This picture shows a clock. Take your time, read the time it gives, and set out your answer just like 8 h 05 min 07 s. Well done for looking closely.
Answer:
8 h 24 min 44 s
